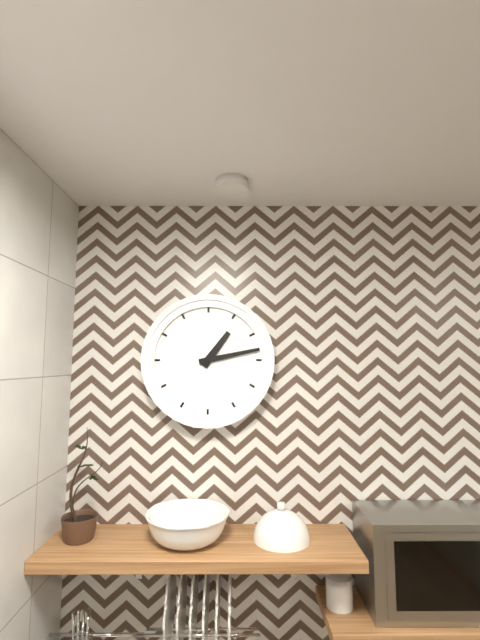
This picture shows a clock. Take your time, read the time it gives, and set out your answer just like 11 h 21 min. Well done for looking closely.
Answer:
1 h 13 min
